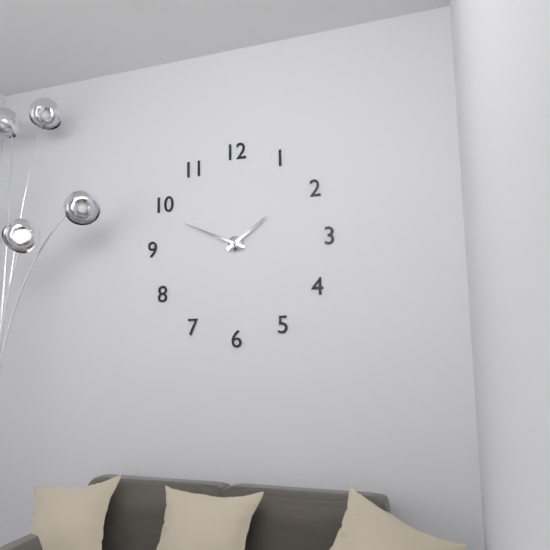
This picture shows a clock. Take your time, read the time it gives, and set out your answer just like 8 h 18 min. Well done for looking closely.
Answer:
1 h 49 min
